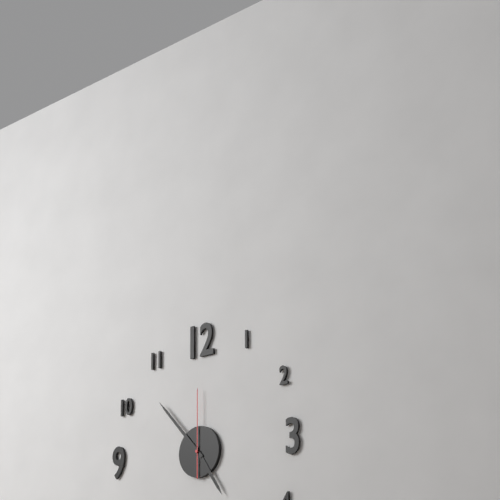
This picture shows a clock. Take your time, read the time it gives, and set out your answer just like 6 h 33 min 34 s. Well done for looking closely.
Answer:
4 h 53 min 00 s
